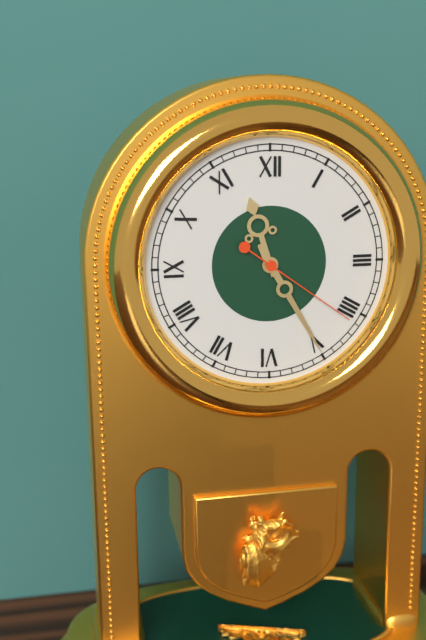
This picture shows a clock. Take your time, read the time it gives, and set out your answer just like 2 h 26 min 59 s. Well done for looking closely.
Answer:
11 h 25 min 21 s
